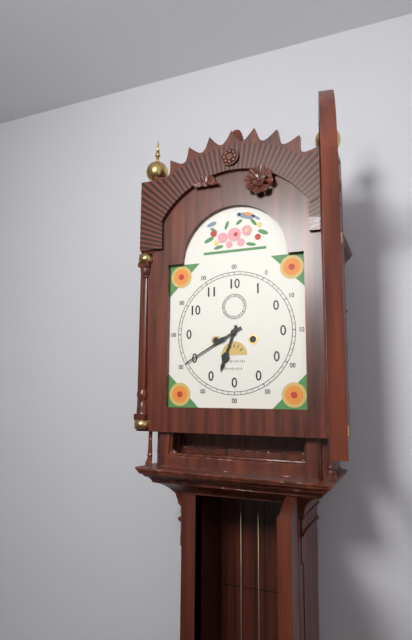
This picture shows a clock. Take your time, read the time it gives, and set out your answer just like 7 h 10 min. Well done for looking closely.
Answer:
6 h 40 min
